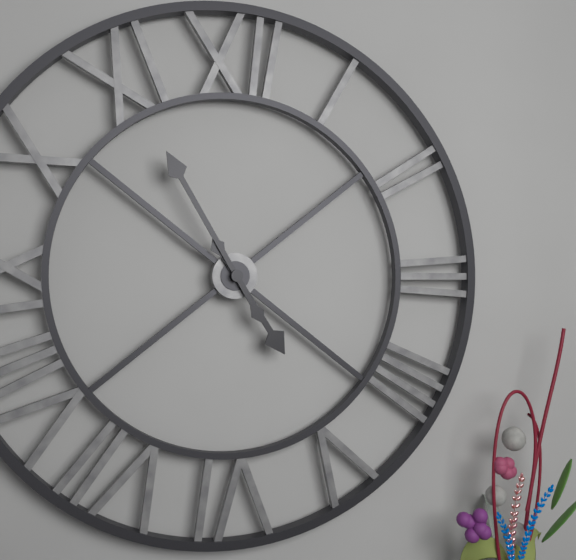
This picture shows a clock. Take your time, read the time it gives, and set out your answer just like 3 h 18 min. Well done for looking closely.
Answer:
4 h 55 min
